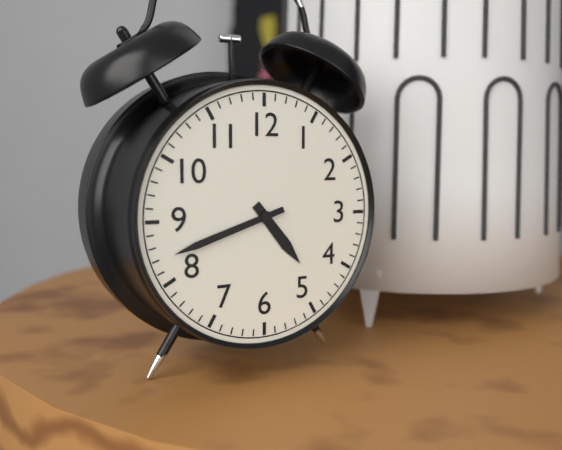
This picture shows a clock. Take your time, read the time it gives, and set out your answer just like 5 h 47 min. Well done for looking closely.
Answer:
4 h 42 min
